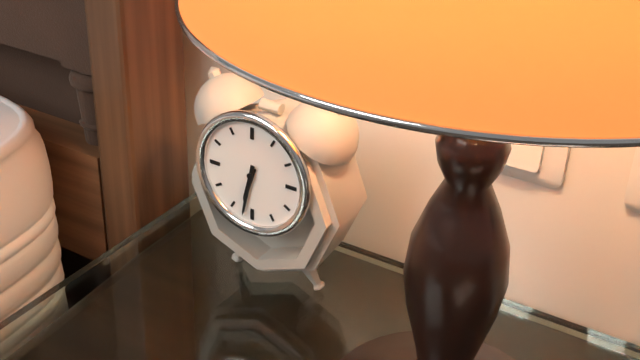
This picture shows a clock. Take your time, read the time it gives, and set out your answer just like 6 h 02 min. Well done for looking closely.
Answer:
6 h 32 min
